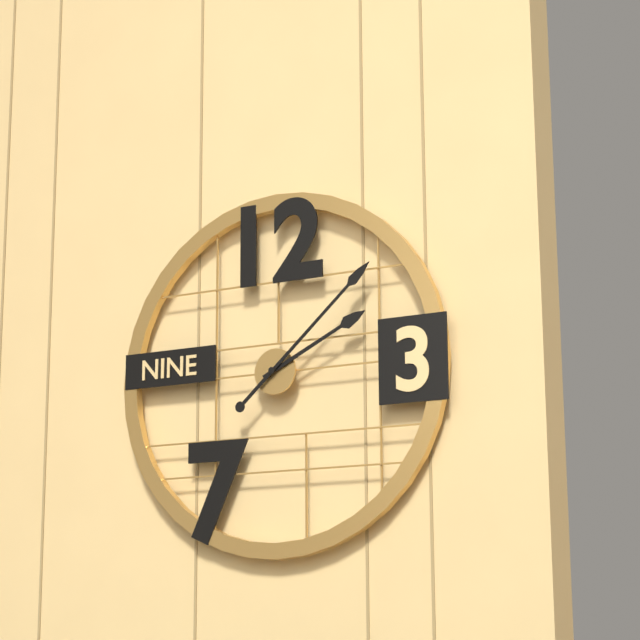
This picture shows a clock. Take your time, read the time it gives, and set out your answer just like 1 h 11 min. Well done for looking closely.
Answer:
2 h 08 min
